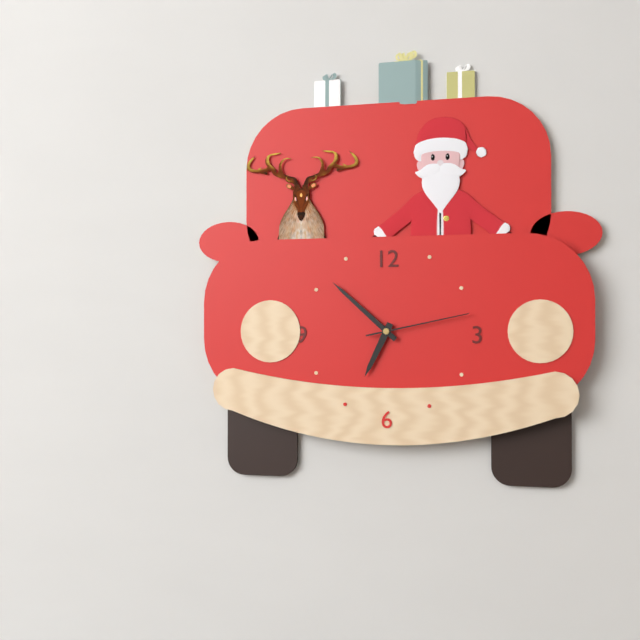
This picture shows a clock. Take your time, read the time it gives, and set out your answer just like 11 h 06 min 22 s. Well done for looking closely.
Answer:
6 h 52 min 13 s
